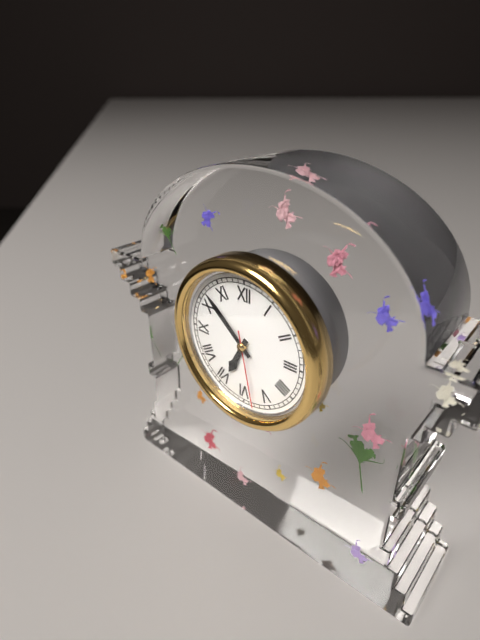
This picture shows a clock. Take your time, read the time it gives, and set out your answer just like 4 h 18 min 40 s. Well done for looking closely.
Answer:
6 h 52 min 28 s
